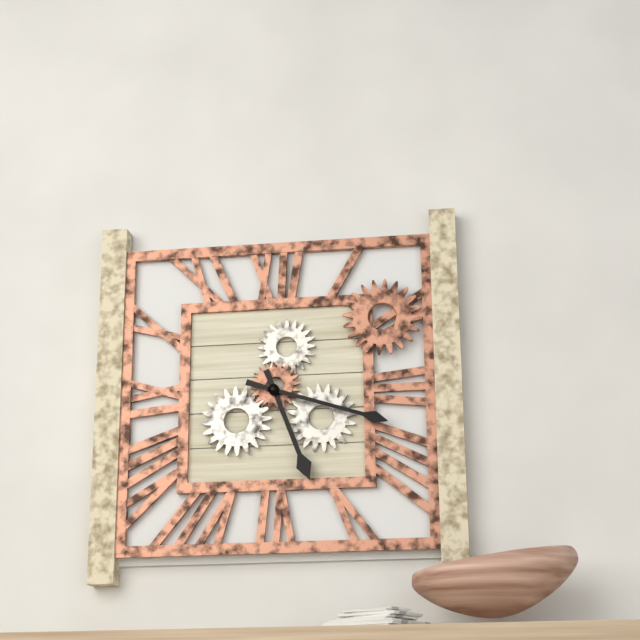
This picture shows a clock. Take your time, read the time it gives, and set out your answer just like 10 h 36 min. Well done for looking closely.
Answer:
5 h 18 min
